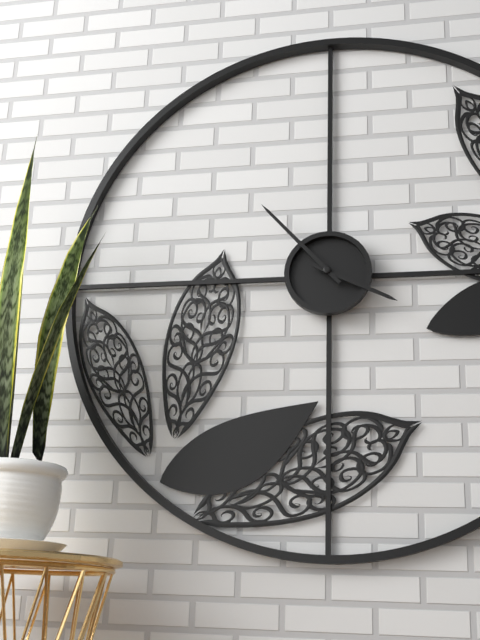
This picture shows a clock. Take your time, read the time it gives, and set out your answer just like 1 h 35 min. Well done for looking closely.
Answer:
3 h 53 min
